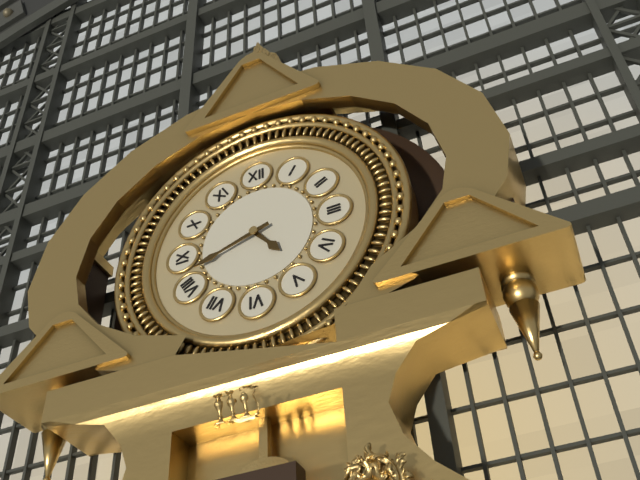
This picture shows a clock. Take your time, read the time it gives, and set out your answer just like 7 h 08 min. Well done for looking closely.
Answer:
4 h 42 min
